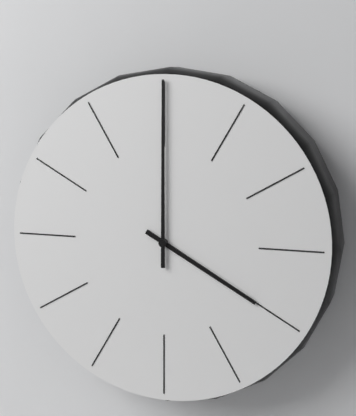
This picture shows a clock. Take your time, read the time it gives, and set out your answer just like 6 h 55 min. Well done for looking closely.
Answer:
4 h 00 min
